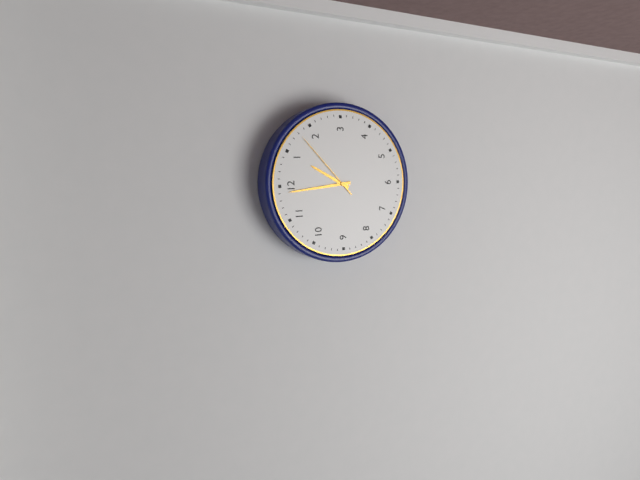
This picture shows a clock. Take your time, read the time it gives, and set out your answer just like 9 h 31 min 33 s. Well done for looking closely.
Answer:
12 h 59 min 08 s
